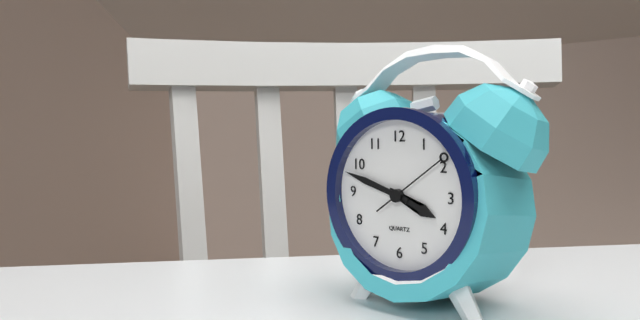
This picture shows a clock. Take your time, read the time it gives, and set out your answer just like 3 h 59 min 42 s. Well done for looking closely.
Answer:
3 h 48 min 09 s
